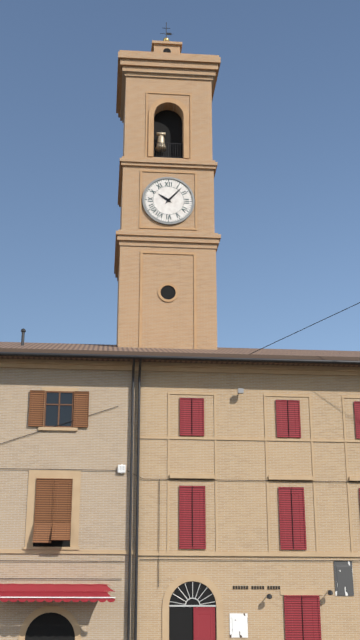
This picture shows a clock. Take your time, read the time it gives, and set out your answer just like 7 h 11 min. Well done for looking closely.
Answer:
10 h 07 min
